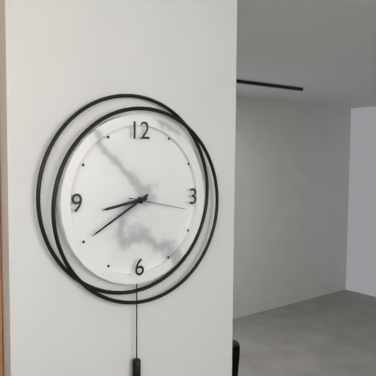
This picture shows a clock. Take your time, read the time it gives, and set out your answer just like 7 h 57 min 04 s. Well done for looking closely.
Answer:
8 h 40 min 17 s
